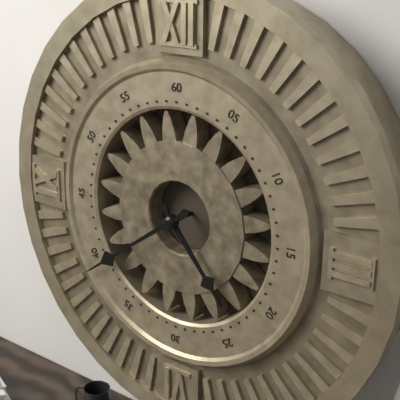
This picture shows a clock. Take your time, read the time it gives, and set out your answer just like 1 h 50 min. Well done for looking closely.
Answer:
4 h 39 min
